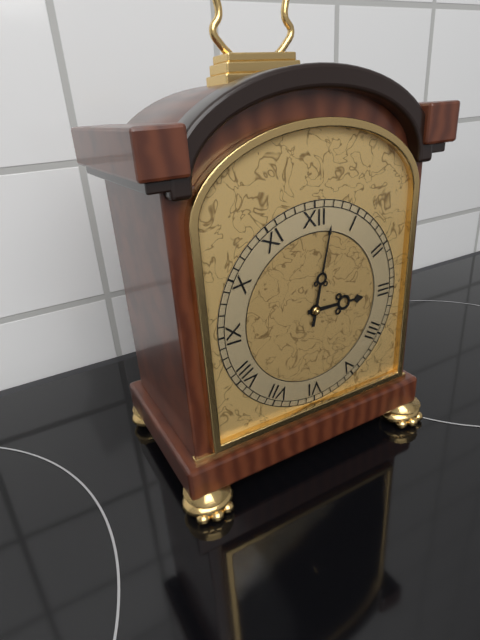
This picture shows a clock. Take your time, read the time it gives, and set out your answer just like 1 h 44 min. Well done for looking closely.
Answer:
3 h 02 min
